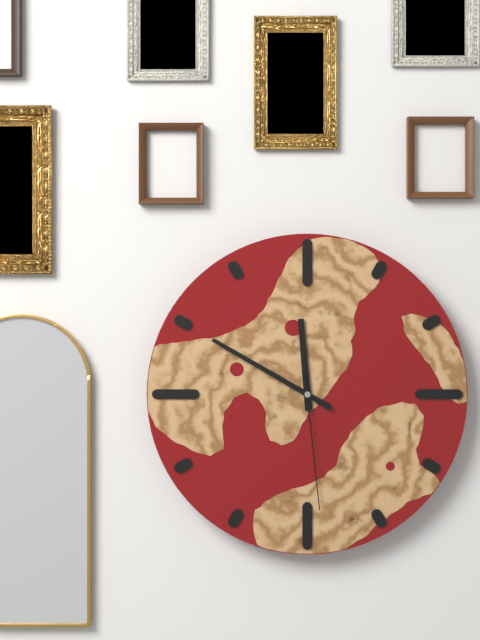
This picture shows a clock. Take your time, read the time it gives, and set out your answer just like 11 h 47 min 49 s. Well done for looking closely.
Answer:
11 h 50 min 29 s
